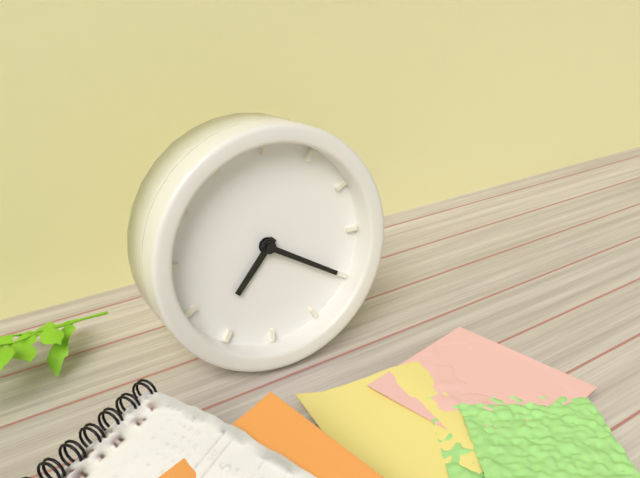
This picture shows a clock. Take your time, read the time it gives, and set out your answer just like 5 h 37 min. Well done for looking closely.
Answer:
7 h 20 min
